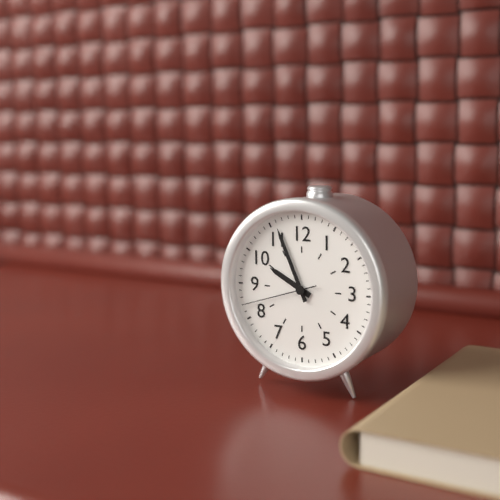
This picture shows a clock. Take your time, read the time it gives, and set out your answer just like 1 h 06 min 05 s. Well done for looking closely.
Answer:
9 h 56 min 42 s
